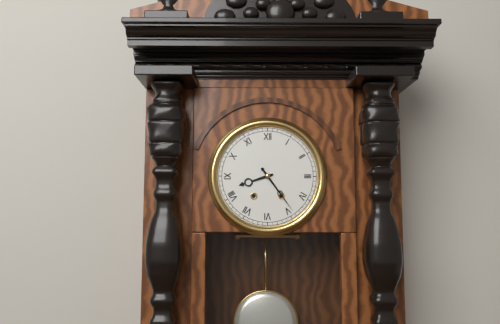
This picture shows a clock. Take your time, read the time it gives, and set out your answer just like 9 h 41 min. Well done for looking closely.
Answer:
8 h 24 min
